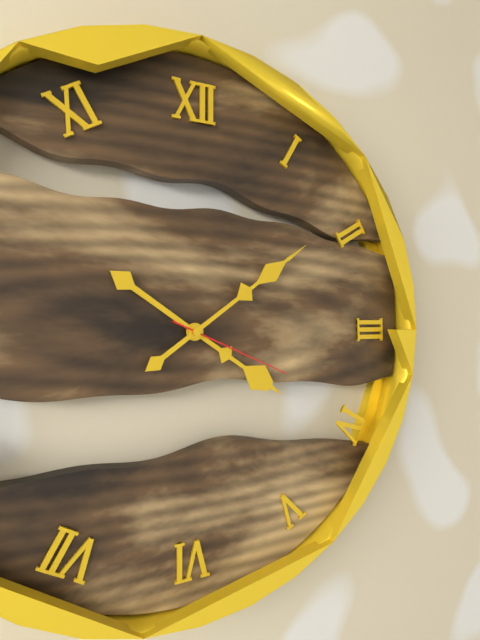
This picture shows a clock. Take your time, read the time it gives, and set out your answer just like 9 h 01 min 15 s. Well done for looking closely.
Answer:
4 h 09 min 19 s
